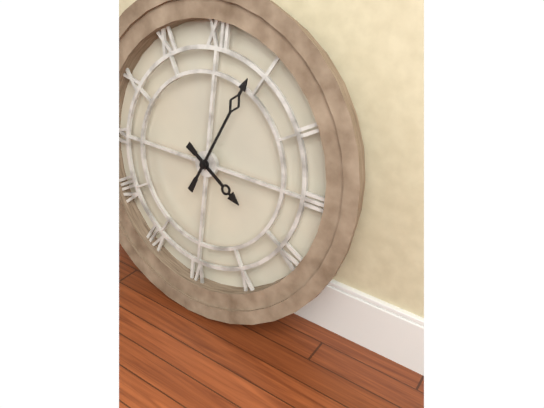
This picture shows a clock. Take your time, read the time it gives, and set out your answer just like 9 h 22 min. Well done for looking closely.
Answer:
4 h 04 min
